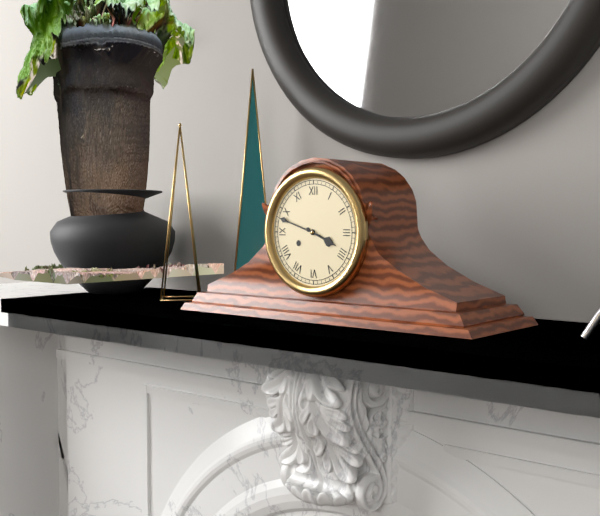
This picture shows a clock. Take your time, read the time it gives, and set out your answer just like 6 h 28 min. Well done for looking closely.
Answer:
3 h 48 min
